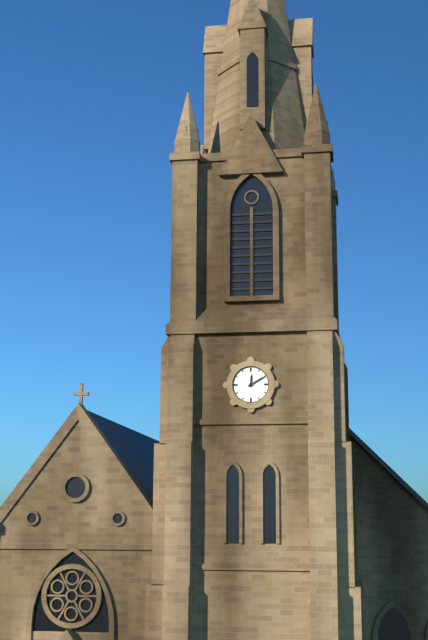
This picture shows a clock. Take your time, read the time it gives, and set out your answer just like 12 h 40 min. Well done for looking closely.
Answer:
12 h 10 min
